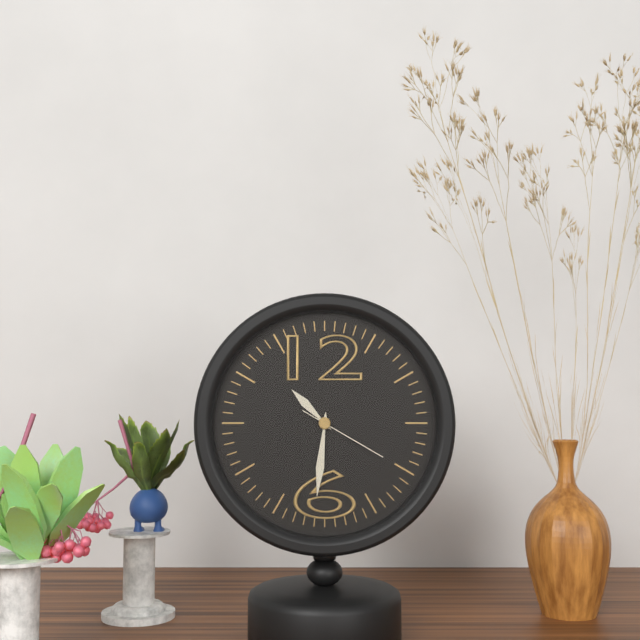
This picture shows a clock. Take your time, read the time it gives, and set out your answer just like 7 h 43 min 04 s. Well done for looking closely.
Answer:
10 h 31 min 20 s
